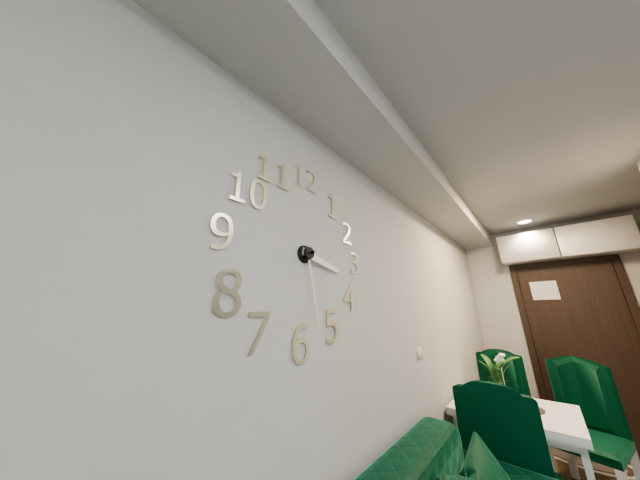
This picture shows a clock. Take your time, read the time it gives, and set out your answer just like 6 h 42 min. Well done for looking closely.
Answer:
3 h 28 min
